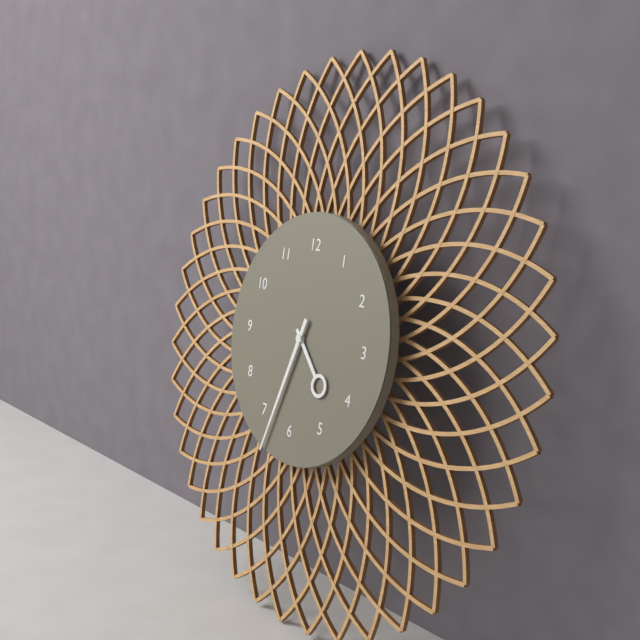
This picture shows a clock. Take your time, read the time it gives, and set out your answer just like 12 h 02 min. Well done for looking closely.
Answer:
4 h 33 min
